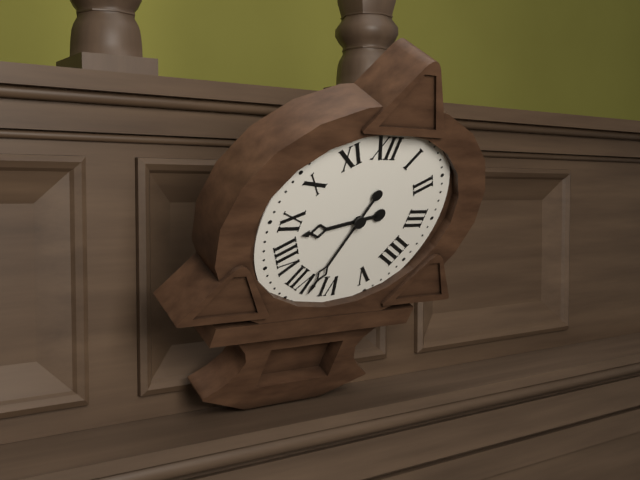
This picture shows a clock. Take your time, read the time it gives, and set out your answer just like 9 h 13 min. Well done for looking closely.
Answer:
8 h 33 min
